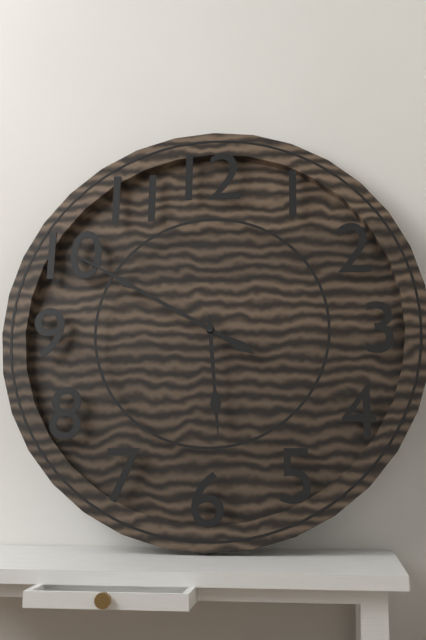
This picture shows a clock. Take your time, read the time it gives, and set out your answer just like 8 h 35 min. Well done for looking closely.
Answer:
5 h 50 min
